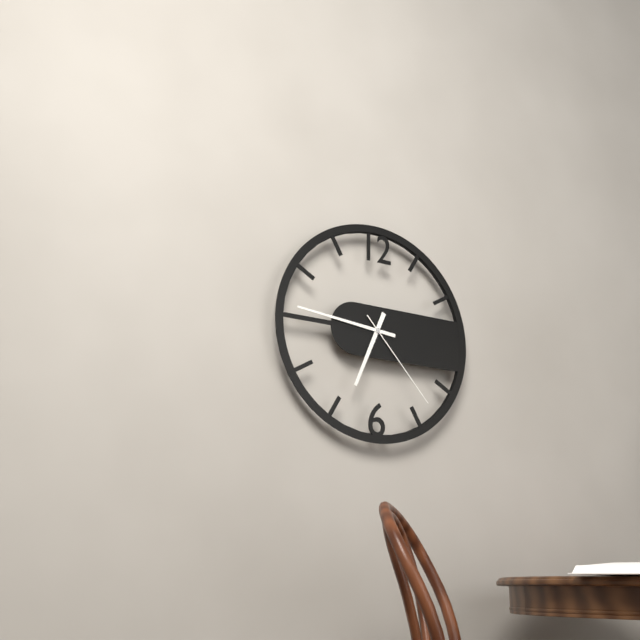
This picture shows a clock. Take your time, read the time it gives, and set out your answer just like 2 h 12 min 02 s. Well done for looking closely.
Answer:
6 h 46 min 23 s
